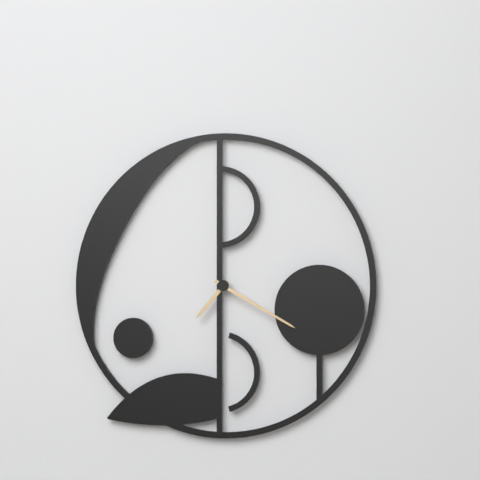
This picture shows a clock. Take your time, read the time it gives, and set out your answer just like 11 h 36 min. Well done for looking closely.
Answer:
7 h 20 min
